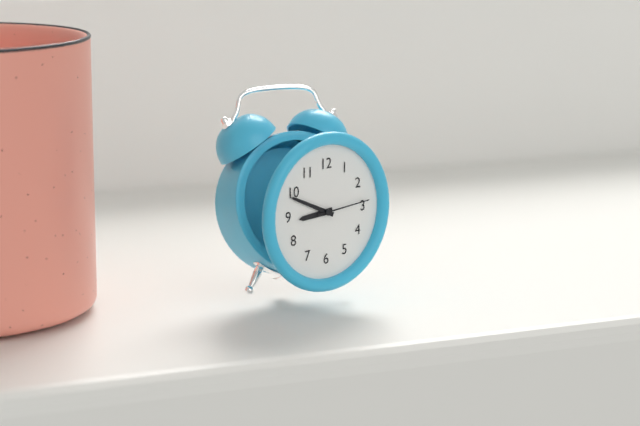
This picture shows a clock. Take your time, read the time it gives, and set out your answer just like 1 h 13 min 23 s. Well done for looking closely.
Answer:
8 h 49 min 14 s
